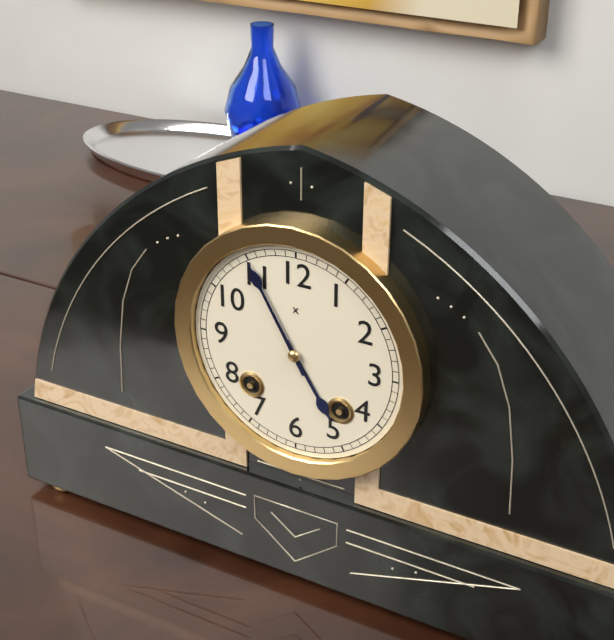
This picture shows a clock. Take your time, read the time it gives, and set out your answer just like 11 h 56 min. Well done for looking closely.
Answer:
4 h 55 min
